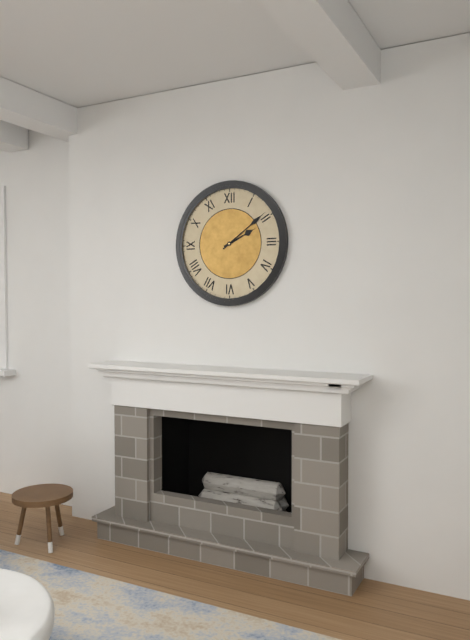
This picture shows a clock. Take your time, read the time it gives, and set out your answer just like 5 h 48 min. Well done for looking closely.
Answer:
2 h 09 min
